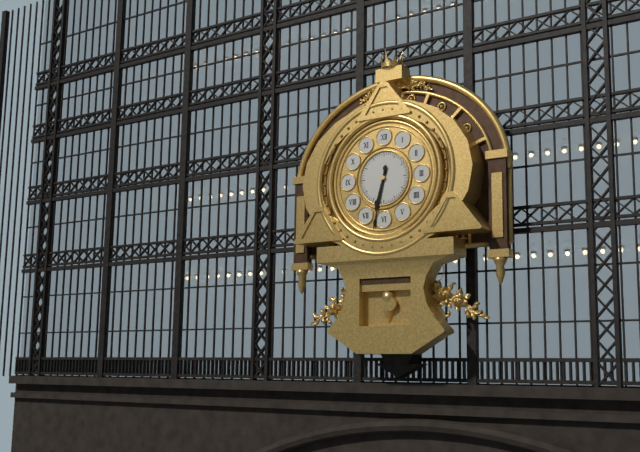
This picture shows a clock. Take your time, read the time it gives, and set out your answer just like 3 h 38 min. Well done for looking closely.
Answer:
6 h 32 min
